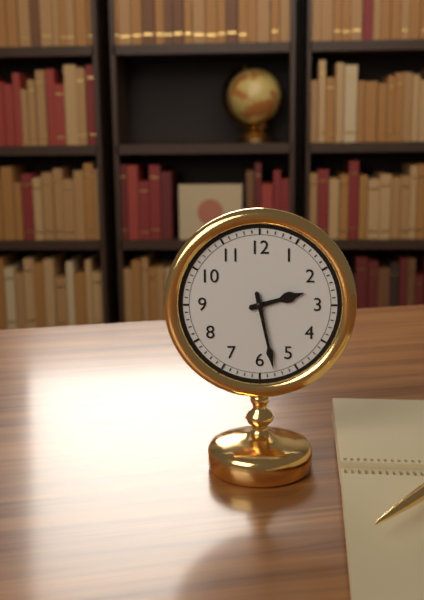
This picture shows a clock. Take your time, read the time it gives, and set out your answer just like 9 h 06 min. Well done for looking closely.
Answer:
2 h 28 min
